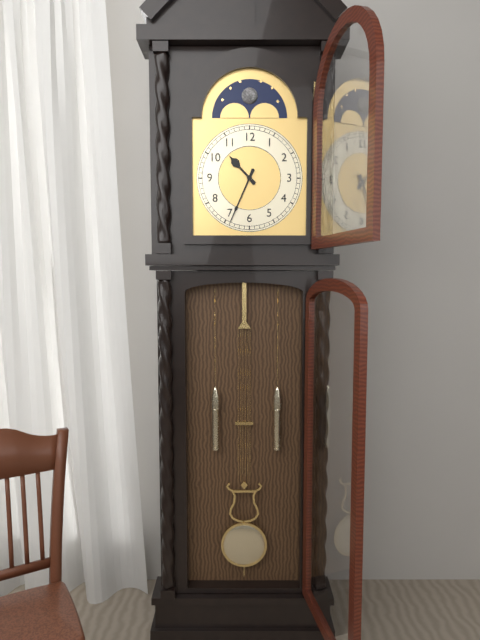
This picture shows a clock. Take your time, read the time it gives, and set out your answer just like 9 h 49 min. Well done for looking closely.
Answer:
10 h 34 min
